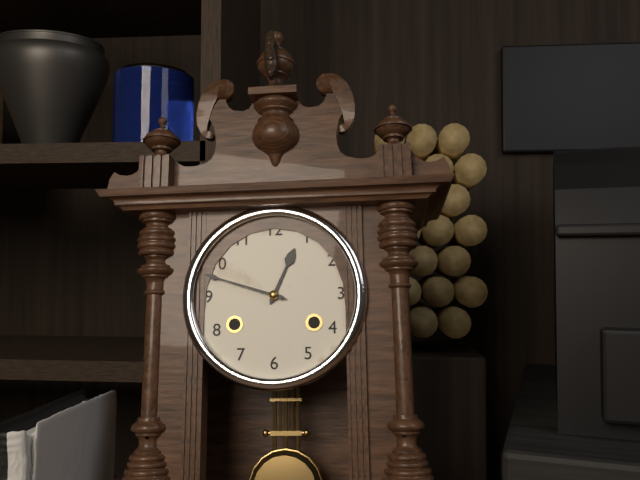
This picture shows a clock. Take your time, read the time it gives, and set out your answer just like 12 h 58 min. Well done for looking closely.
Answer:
12 h 48 min
